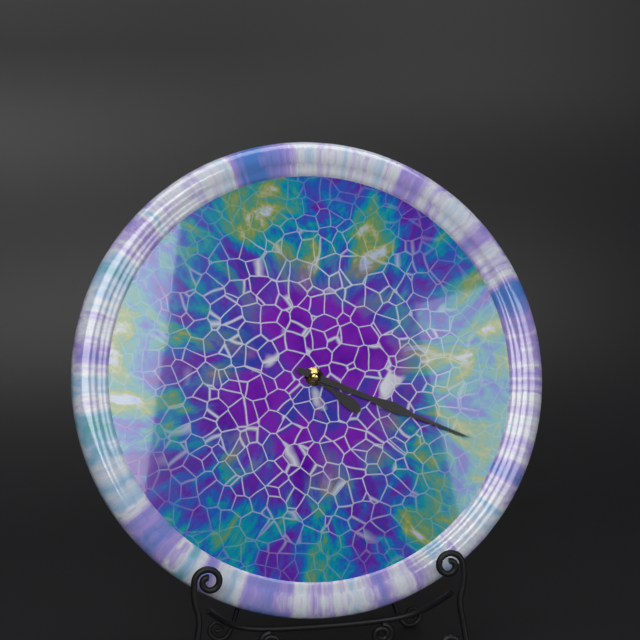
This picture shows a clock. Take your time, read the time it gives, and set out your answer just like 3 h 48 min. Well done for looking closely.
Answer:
4 h 19 min
